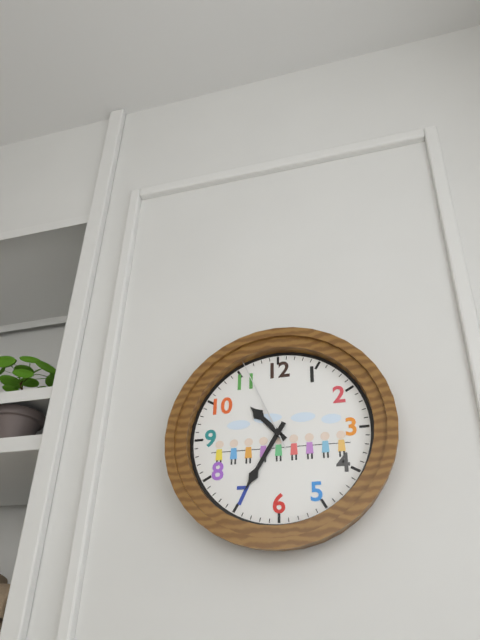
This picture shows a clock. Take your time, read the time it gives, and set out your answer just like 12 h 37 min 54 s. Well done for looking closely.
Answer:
10 h 35 min 56 s
